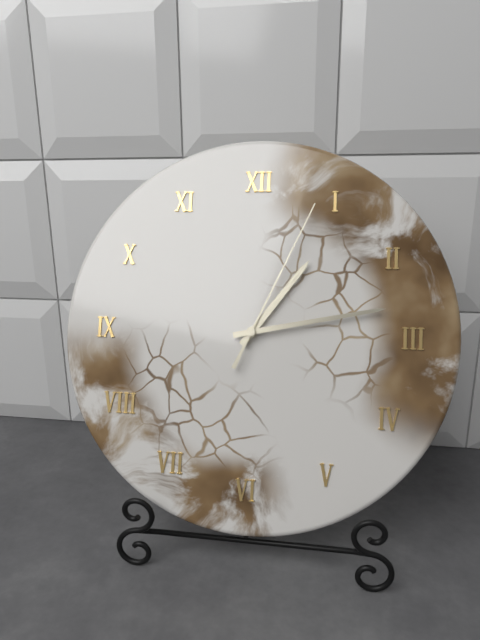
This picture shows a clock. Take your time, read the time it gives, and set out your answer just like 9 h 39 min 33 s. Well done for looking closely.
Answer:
1 h 13 min 04 s
